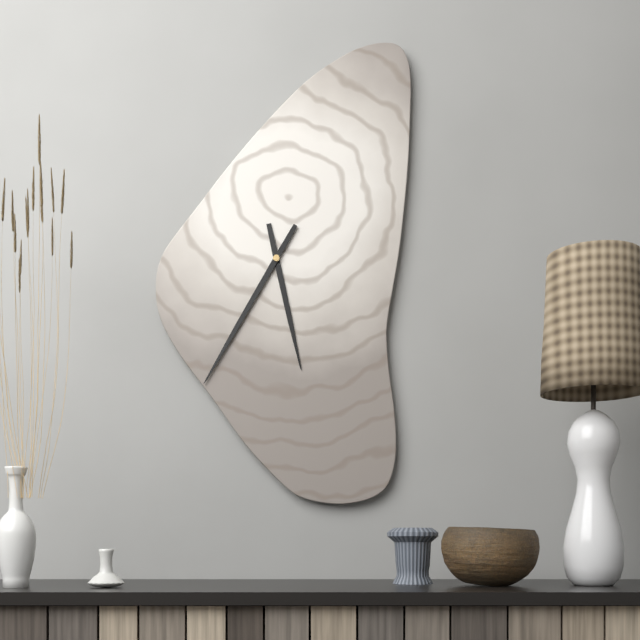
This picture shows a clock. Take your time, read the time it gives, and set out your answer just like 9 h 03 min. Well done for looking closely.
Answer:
5 h 35 min
